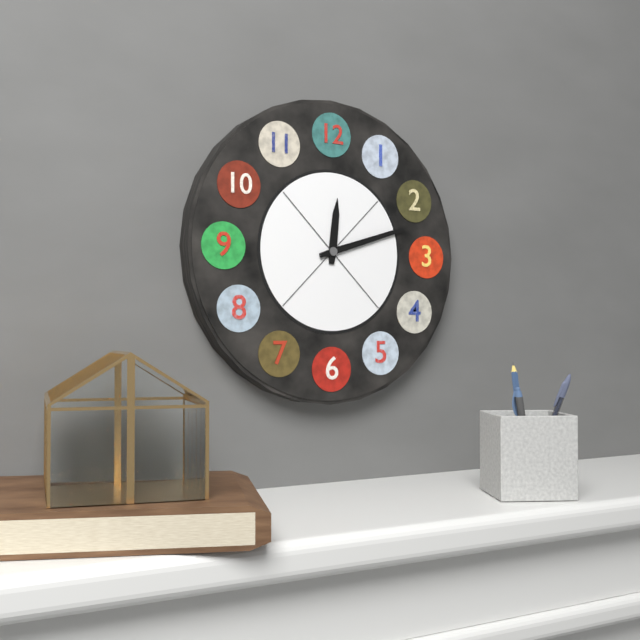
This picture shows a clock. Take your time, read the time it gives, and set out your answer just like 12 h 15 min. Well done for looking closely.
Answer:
12 h 12 min
